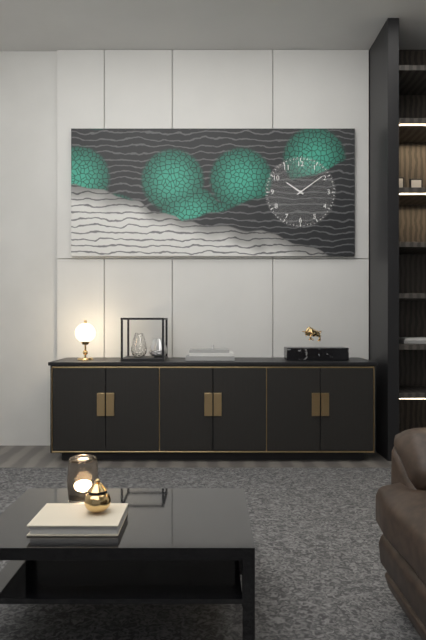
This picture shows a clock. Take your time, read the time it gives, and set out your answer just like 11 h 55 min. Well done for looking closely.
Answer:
10 h 09 min
